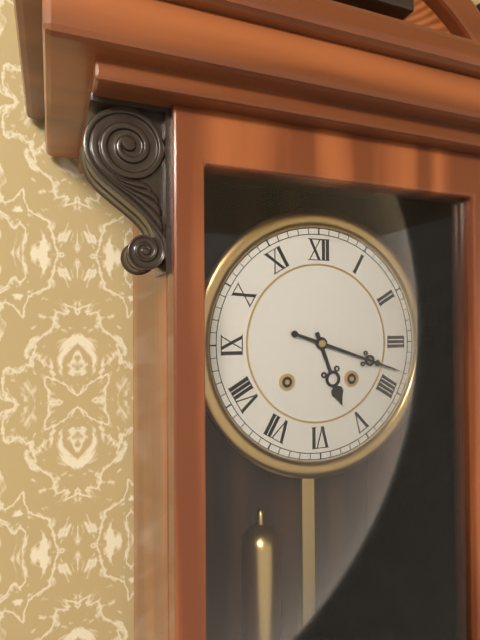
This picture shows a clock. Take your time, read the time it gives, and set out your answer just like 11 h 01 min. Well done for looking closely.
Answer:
5 h 18 min
